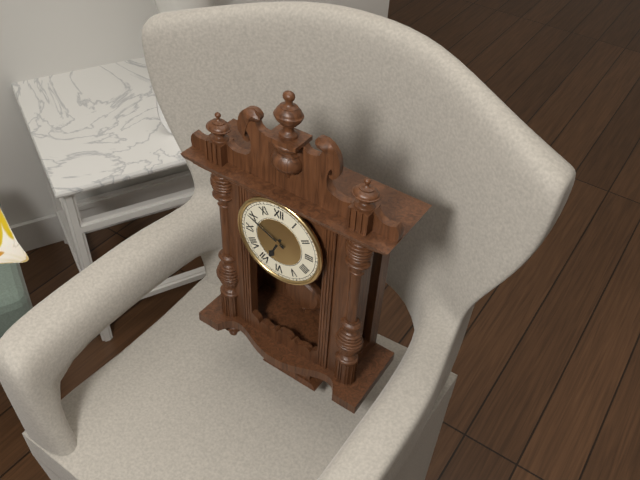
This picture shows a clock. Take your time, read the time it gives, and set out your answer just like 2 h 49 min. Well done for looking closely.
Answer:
6 h 49 min
